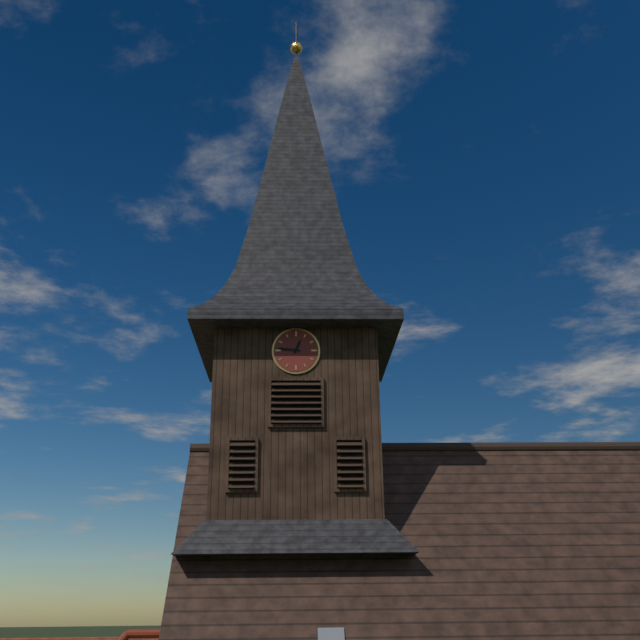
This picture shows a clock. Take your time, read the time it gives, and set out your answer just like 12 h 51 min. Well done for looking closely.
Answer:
12 h 46 min
